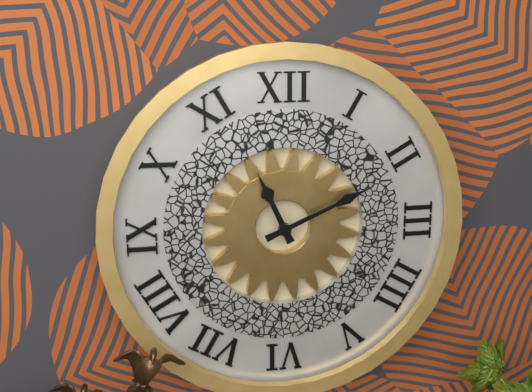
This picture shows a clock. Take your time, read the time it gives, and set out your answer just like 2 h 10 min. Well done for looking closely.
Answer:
11 h 11 min
